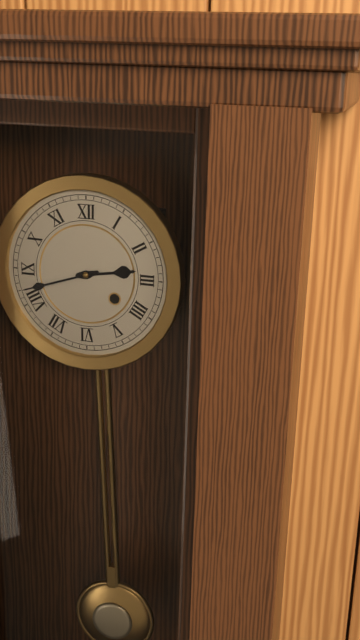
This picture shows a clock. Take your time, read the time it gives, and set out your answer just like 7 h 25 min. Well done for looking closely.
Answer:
2 h 42 min
